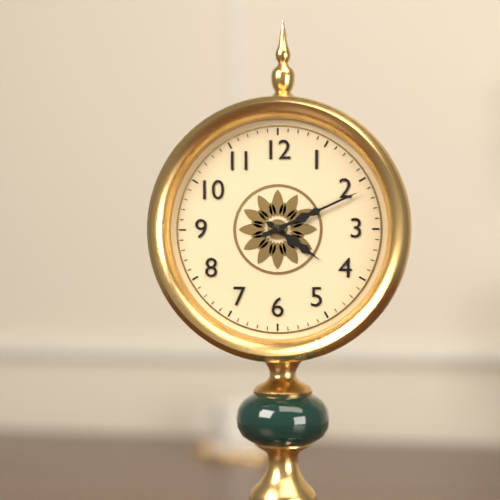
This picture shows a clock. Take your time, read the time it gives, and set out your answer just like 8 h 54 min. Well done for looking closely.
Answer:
4 h 11 min
